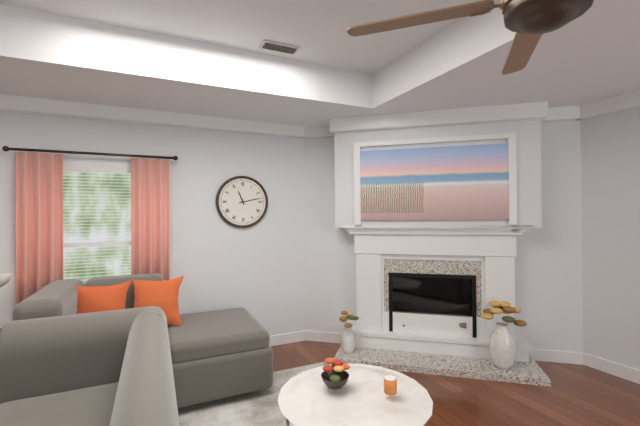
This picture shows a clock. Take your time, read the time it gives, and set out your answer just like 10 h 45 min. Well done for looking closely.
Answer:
11 h 13 min
